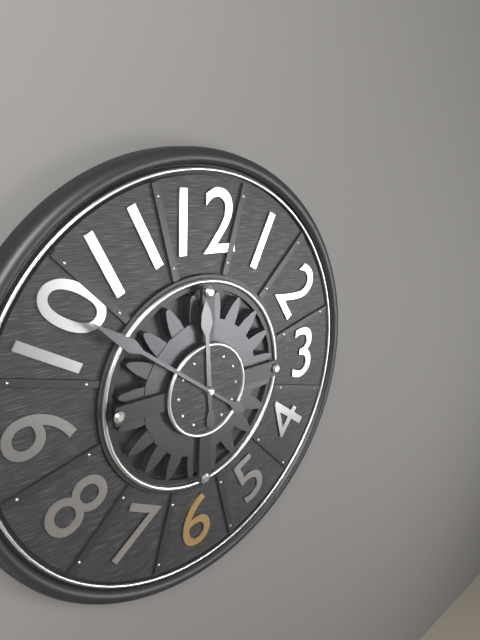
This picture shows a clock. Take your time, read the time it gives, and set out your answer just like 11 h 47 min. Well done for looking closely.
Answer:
11 h 51 min
